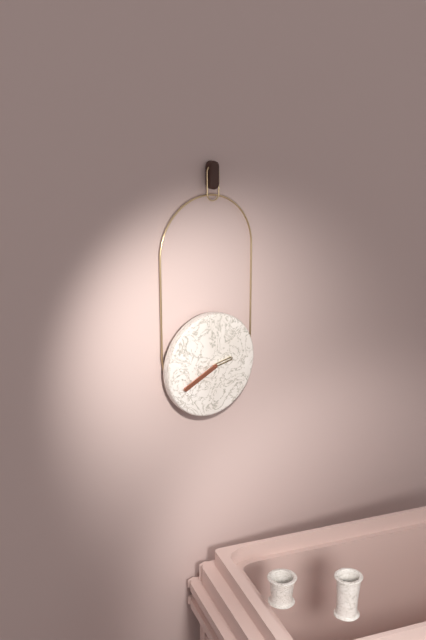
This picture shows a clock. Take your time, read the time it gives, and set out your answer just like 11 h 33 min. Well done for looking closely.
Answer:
2 h 41 min
